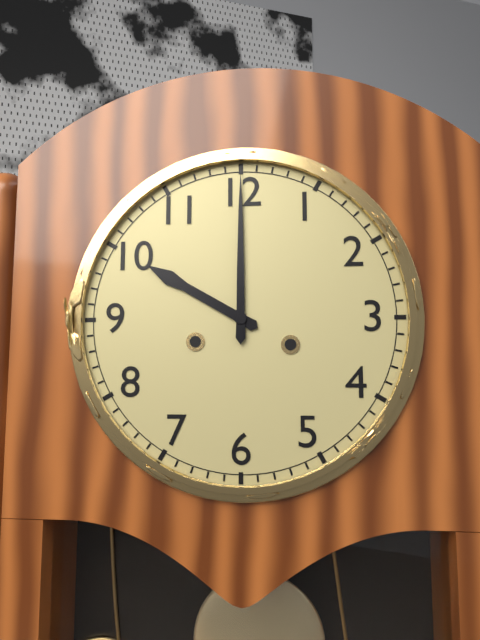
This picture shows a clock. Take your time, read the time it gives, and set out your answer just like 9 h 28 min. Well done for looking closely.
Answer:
10 h 00 min
